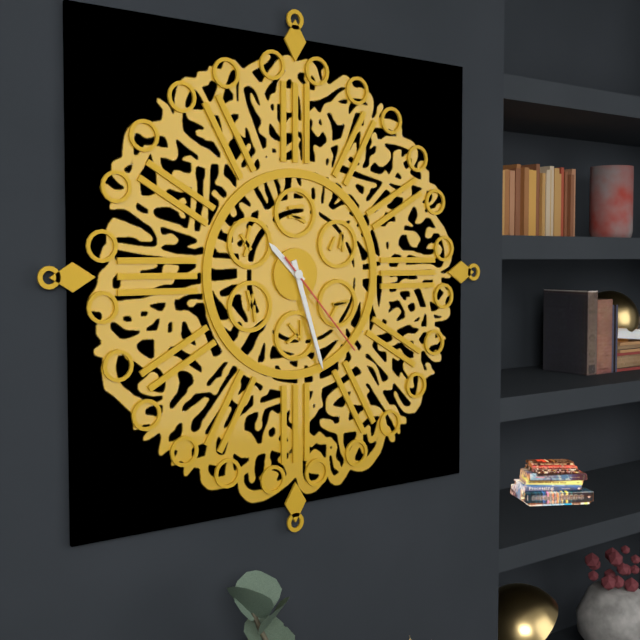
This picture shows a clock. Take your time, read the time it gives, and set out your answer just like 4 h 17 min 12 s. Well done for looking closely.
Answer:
10 h 27 min 23 s
